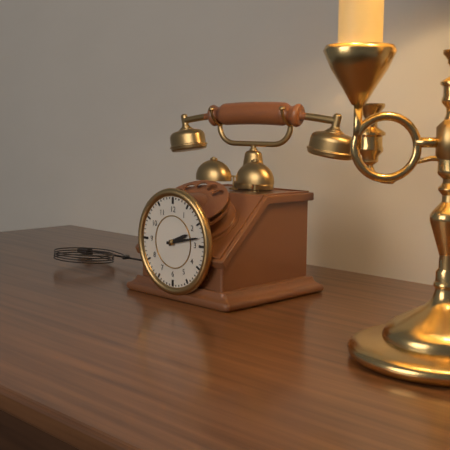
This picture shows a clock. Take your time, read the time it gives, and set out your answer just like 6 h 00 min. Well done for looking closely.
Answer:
2 h 13 min
